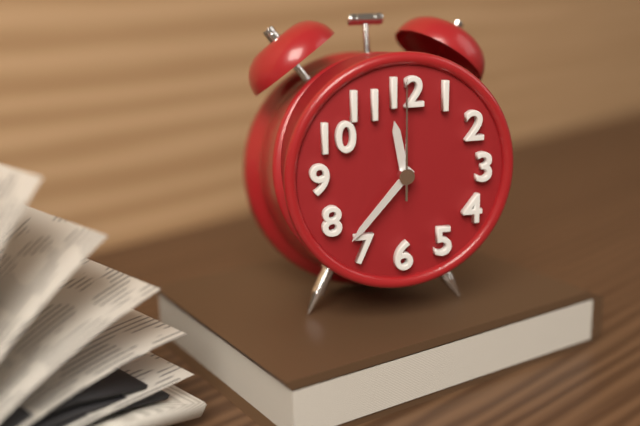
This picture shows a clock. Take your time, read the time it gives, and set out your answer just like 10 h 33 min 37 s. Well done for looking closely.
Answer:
11 h 37 min 00 s
